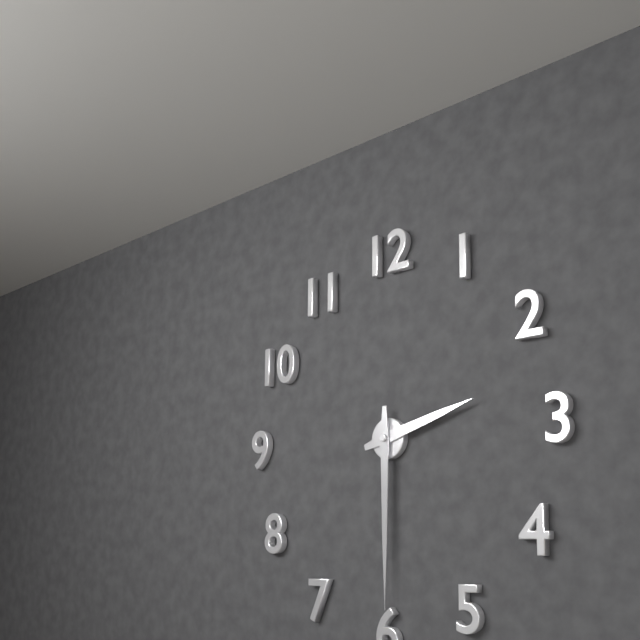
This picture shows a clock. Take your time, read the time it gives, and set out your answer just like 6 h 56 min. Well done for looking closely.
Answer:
2 h 30 min
